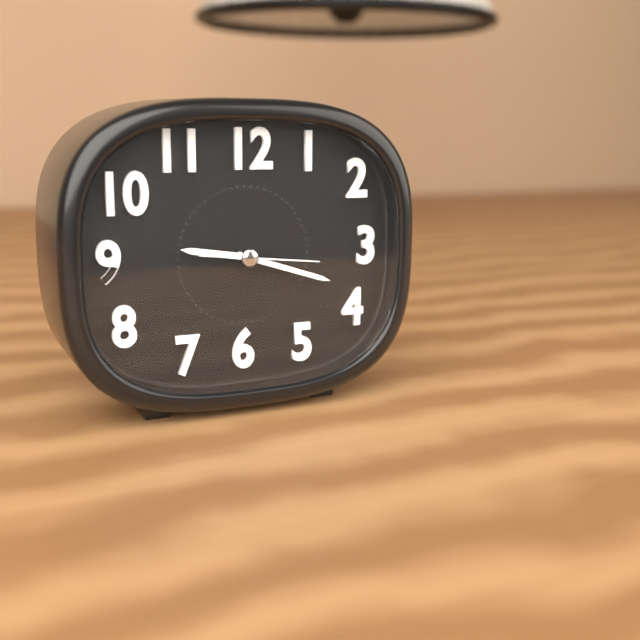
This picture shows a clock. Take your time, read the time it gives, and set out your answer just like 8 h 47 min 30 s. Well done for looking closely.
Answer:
9 h 18 min 16 s
